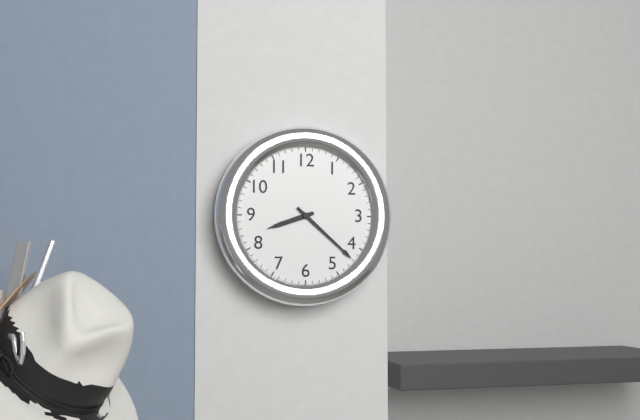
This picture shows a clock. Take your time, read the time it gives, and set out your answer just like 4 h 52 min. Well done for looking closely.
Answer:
8 h 22 min
